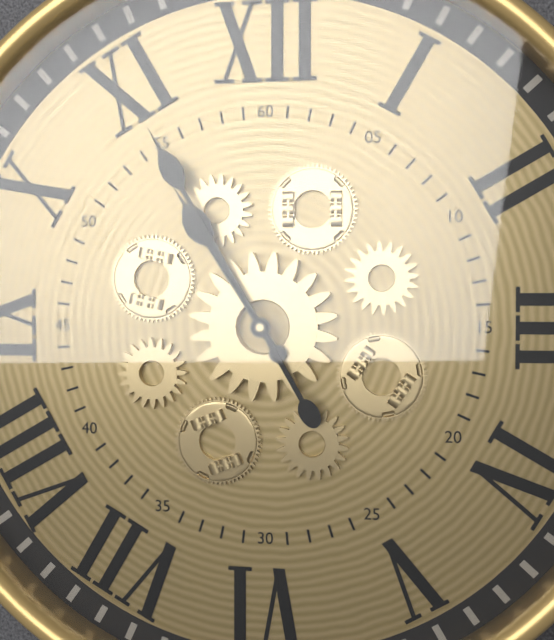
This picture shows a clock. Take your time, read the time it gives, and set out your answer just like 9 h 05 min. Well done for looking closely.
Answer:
10 h 55 min
